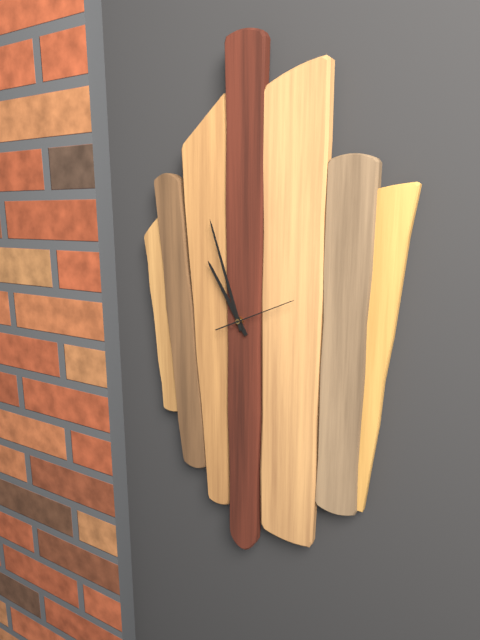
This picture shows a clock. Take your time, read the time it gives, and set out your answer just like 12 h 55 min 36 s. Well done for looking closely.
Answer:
10 h 57 min 11 s
